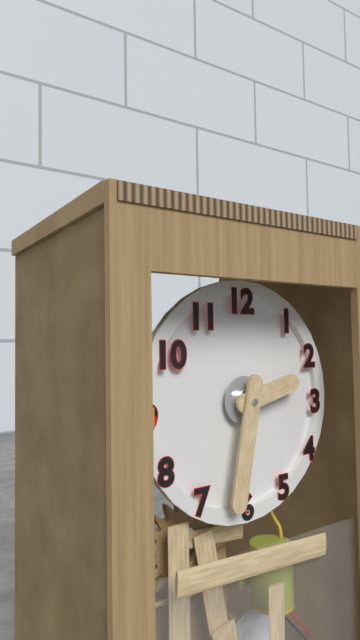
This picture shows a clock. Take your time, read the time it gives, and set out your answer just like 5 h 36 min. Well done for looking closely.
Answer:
2 h 32 min
